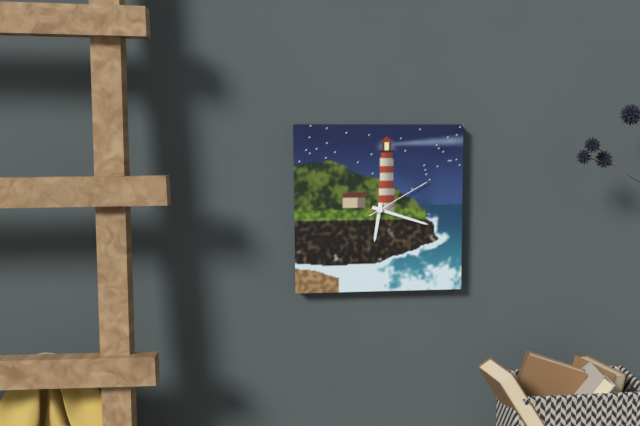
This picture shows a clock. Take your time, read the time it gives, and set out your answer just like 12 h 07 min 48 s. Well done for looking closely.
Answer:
6 h 18 min 10 s
